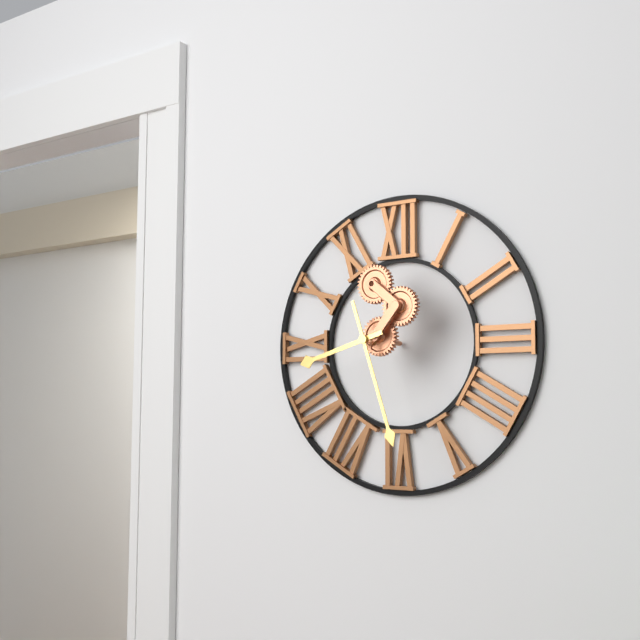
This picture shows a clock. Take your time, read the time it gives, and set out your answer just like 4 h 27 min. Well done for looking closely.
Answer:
8 h 27 min
